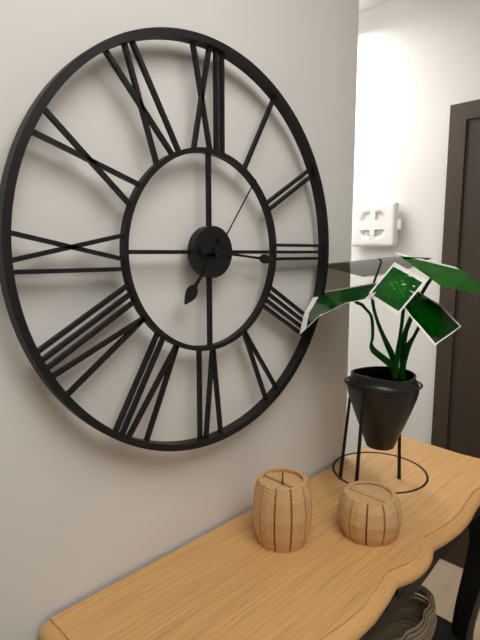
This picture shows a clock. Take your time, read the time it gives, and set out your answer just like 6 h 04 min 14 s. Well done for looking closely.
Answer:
7 h 16 min 06 s
